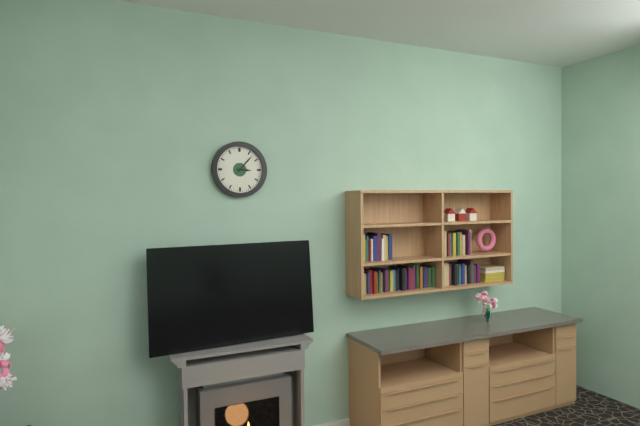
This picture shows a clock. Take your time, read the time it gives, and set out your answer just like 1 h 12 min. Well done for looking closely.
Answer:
3 h 07 min
